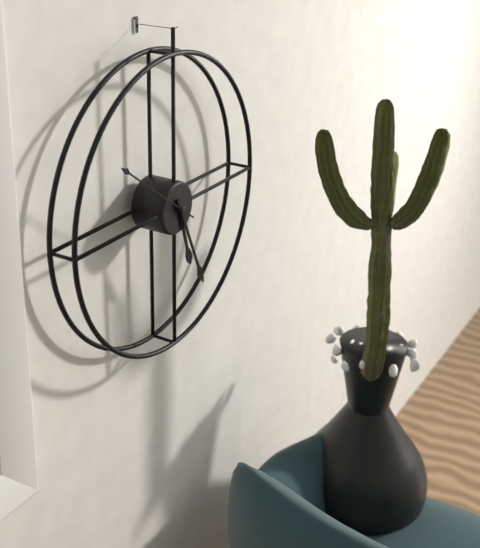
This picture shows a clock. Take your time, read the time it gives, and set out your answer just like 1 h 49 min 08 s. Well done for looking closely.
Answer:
5 h 26 min 51 s
